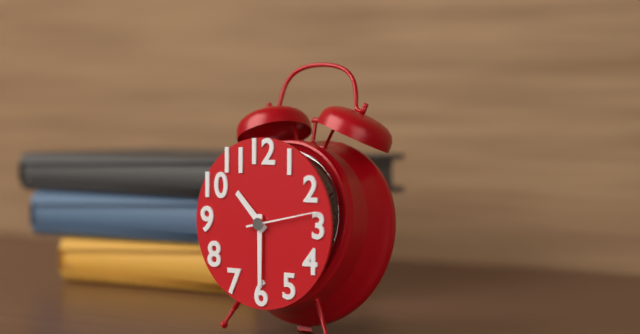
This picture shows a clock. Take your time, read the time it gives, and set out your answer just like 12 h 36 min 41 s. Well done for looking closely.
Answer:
10 h 30 min 13 s
